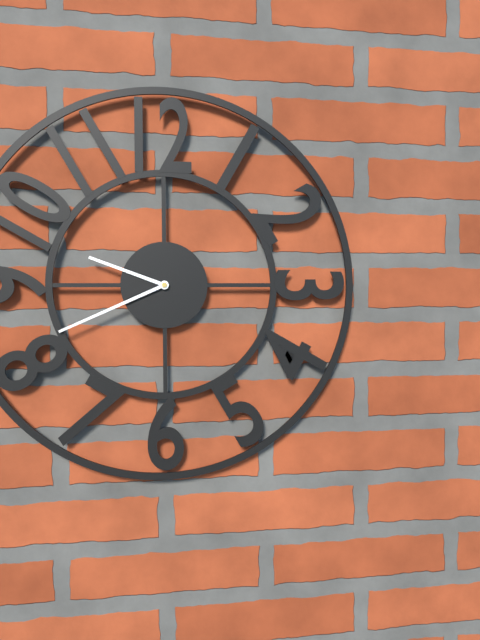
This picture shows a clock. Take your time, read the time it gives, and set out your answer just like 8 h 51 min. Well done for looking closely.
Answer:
9 h 41 min
